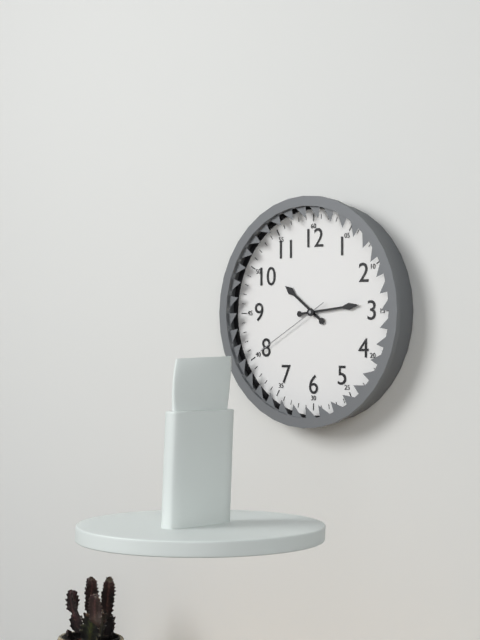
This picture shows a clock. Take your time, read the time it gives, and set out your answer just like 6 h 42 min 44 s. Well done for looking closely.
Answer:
10 h 14 min 40 s
